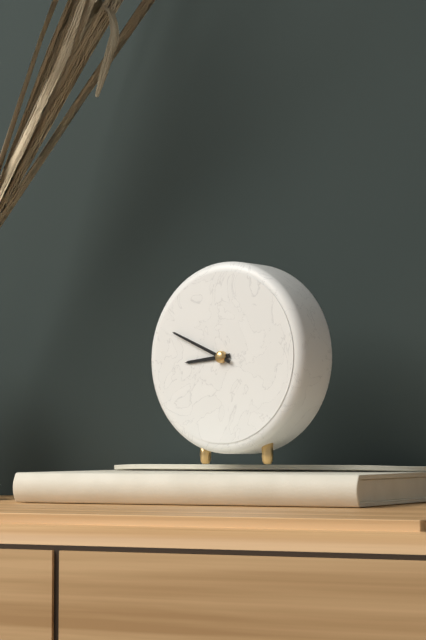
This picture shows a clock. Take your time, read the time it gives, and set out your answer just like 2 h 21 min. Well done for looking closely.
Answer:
8 h 49 min
